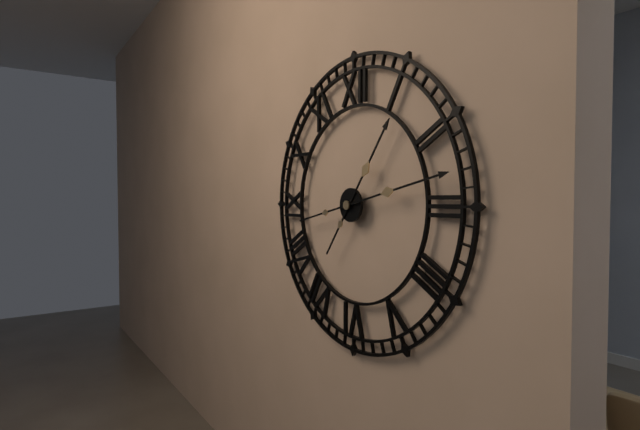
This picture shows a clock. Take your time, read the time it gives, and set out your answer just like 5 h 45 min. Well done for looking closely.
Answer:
1 h 13 min
